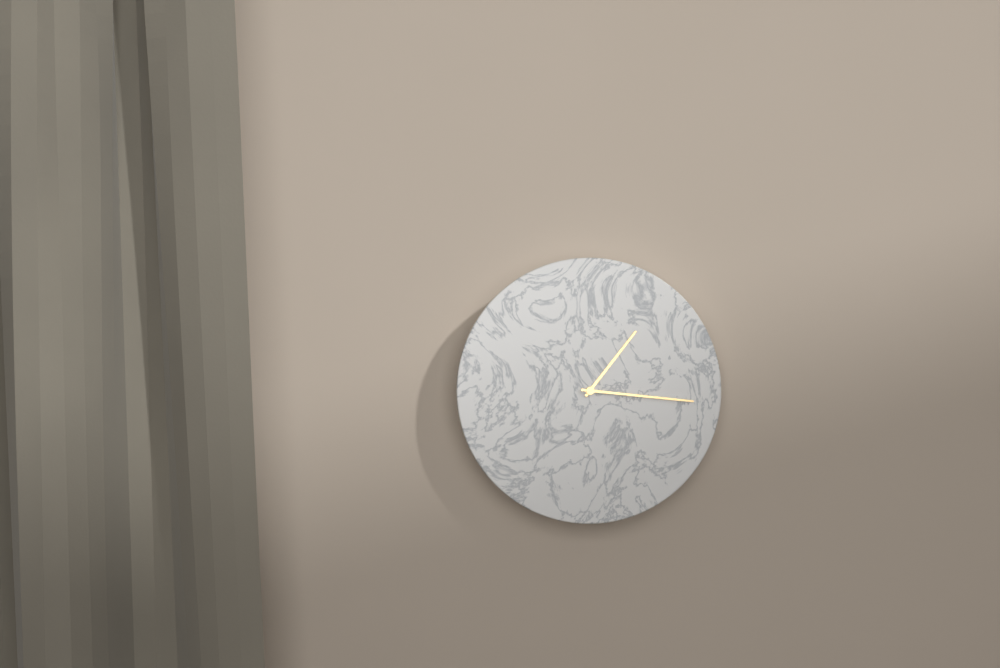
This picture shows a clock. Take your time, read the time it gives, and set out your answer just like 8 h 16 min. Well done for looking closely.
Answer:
1 h 16 min
